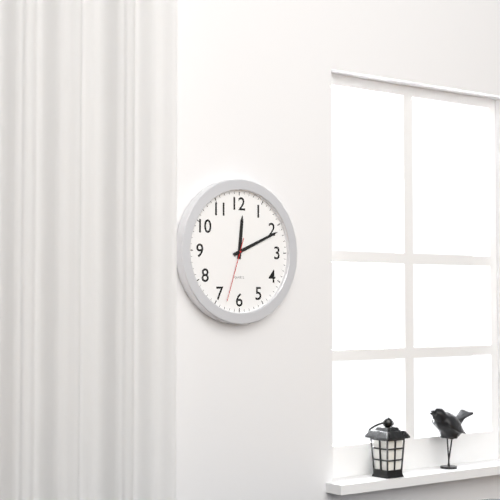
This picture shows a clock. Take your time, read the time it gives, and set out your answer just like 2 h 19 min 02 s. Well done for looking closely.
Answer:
12 h 11 min 33 s
